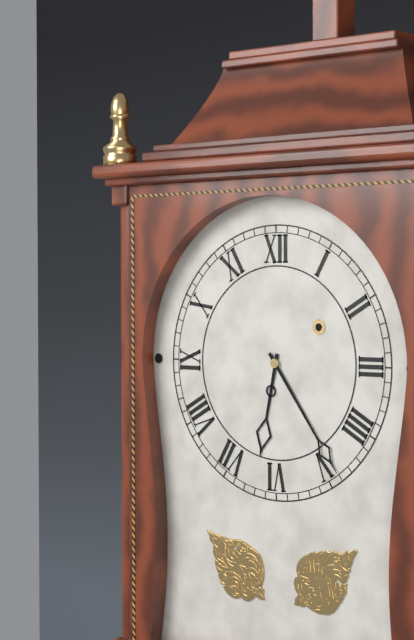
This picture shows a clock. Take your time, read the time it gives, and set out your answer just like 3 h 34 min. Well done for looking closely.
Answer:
6 h 24 min
